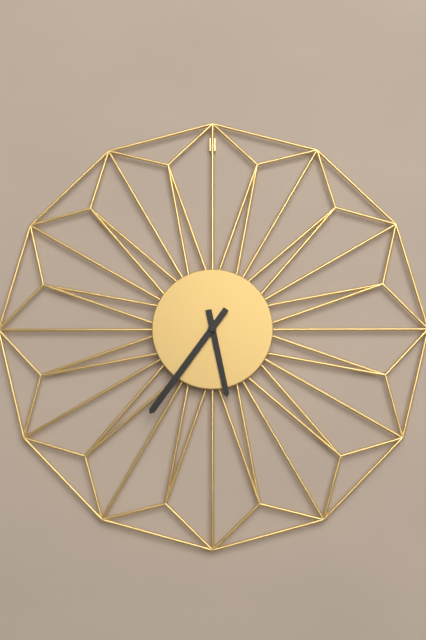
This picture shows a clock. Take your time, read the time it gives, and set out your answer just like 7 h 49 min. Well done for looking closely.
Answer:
5 h 36 min
